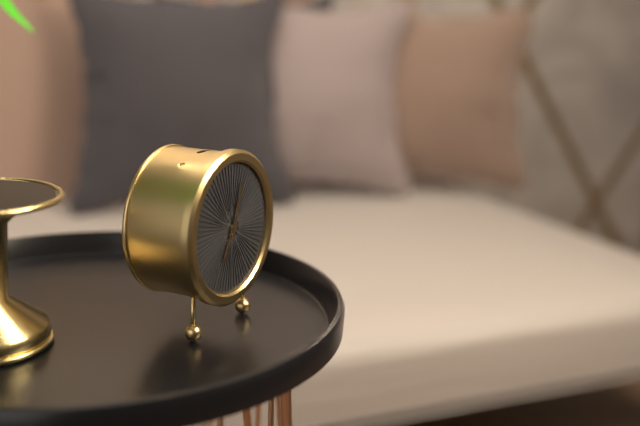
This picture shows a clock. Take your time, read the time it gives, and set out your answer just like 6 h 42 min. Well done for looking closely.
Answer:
7 h 03 min
